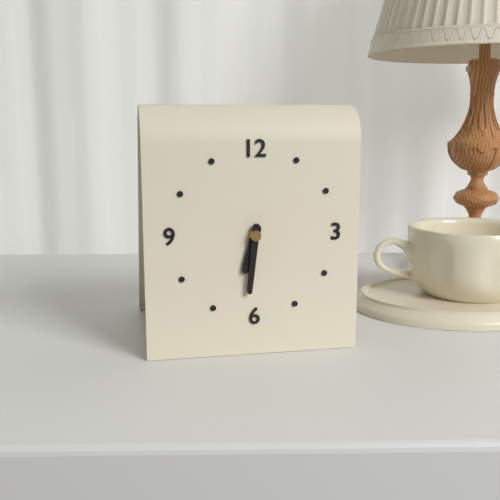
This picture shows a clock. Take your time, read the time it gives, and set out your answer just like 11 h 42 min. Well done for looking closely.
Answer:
6 h 31 min
